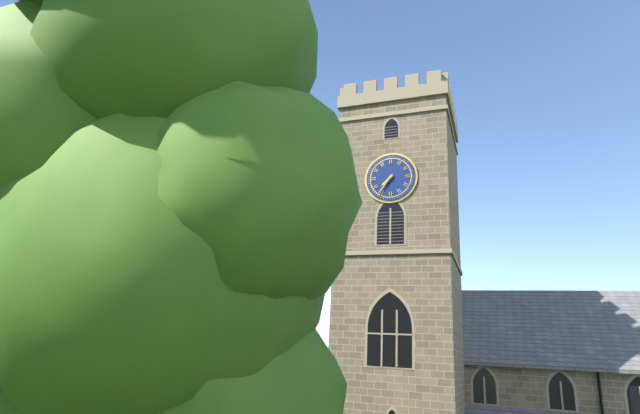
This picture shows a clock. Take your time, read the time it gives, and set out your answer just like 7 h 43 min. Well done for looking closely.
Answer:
7 h 36 min
